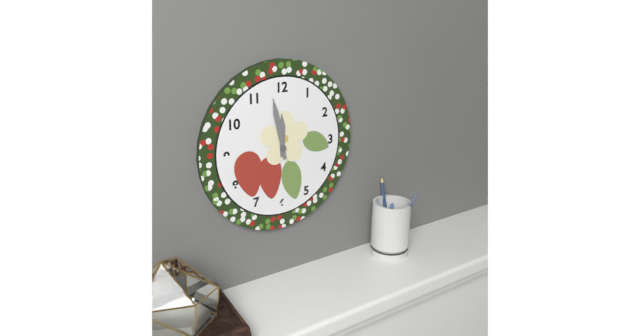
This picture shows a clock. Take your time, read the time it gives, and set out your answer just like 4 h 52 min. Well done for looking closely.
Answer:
11 h 58 min
